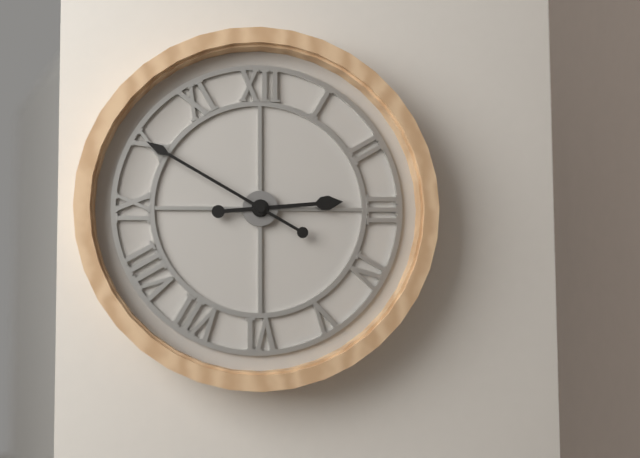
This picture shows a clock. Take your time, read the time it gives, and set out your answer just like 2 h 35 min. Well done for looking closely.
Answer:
2 h 50 min
